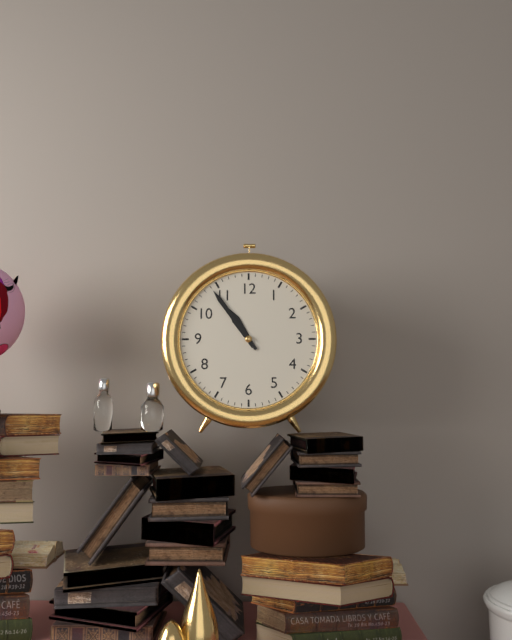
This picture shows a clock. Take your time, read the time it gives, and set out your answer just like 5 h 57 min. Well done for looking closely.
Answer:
10 h 54 min
